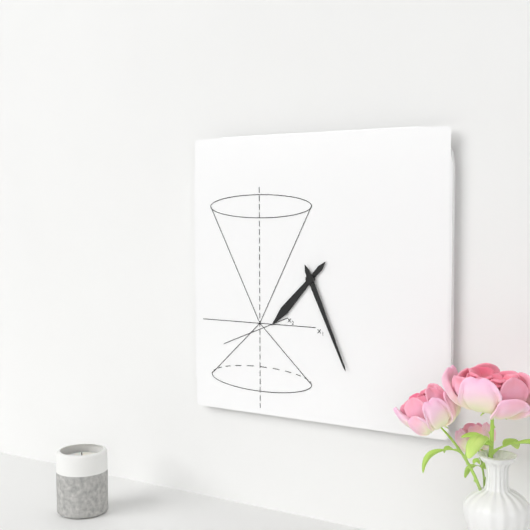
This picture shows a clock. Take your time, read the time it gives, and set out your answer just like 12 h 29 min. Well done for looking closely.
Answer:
7 h 26 min
